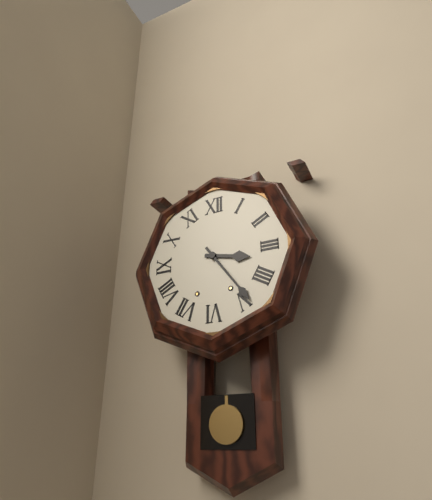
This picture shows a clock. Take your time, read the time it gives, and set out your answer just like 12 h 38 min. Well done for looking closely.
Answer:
3 h 24 min
